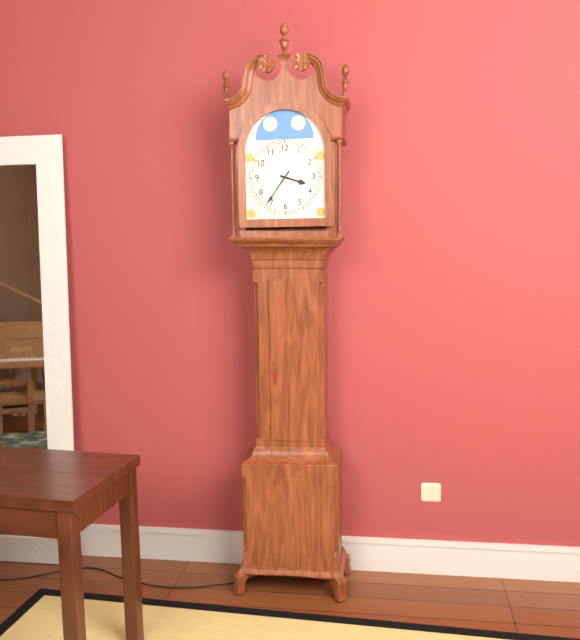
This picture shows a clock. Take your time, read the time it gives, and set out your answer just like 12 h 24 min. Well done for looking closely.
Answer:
3 h 36 min
